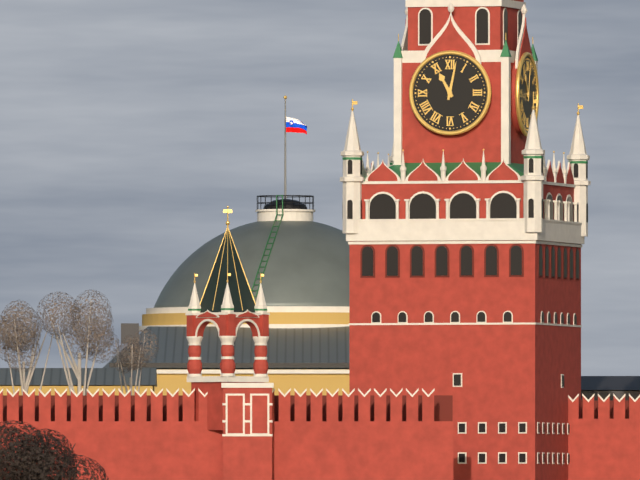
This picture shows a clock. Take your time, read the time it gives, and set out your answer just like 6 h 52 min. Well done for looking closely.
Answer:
11 h 02 min
